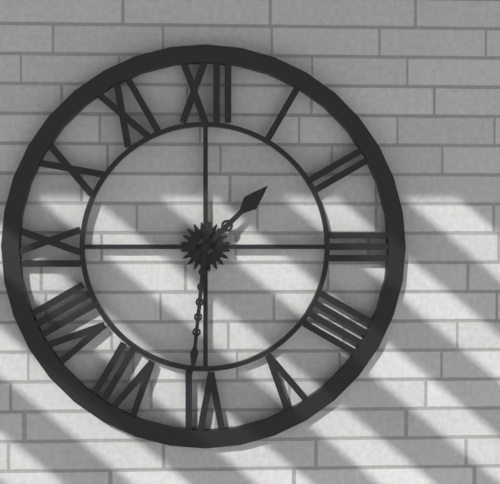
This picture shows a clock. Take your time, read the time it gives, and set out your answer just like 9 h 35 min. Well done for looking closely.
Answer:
1 h 31 min
